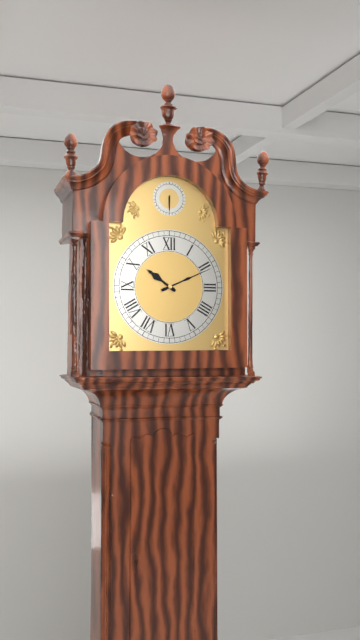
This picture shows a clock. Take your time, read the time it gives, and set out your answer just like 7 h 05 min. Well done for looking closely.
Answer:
10 h 11 min
